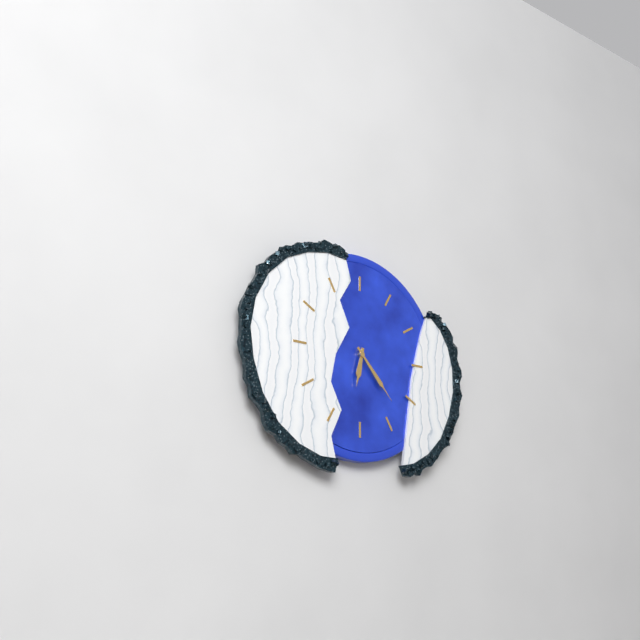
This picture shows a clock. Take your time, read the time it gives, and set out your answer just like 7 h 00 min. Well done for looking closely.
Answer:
6 h 23 min
